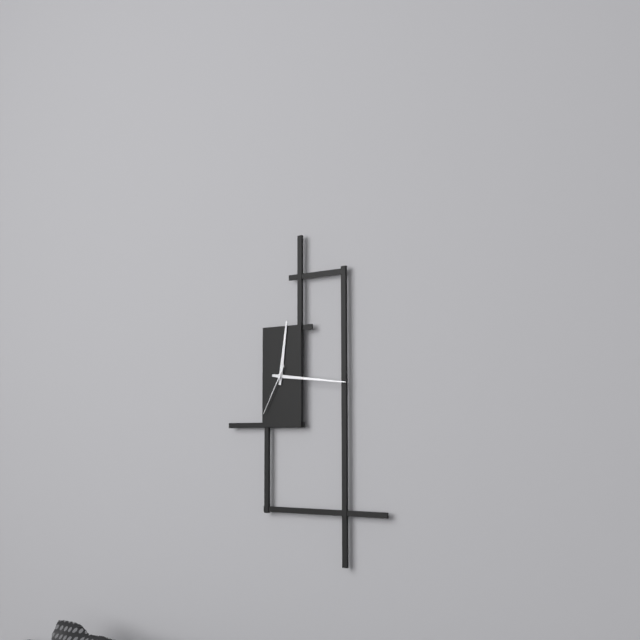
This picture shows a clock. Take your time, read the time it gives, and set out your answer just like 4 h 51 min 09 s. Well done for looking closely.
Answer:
12 h 16 min 35 s
